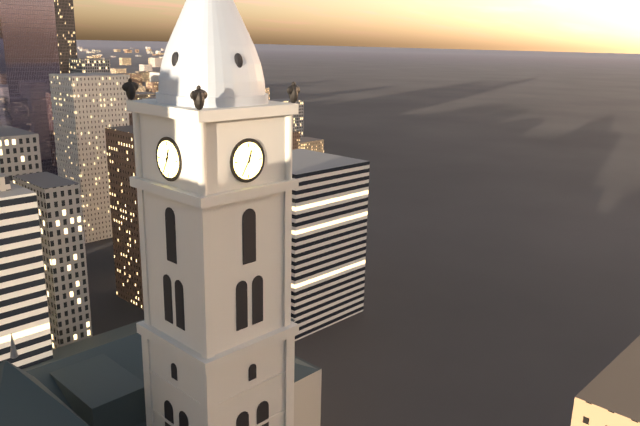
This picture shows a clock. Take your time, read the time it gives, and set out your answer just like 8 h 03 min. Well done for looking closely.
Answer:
12 h 35 min
